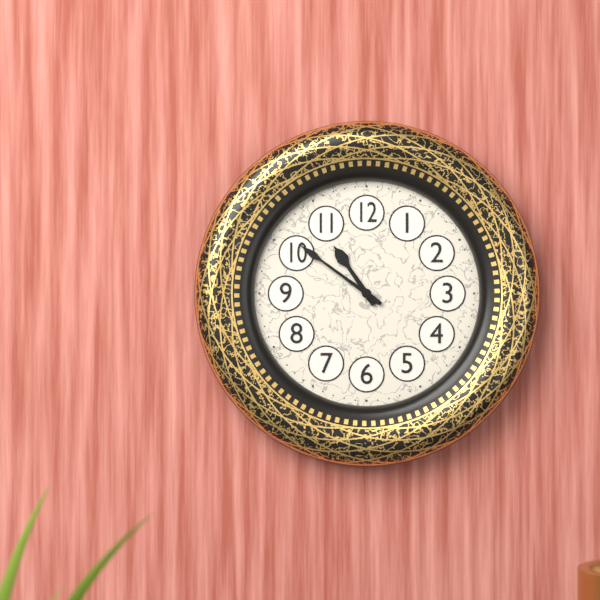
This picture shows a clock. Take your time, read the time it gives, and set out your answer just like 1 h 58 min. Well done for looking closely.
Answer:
10 h 51 min
